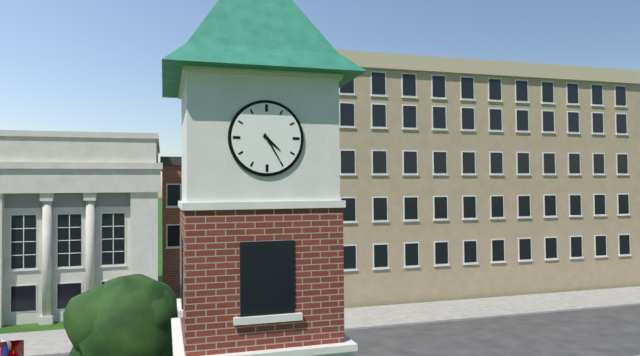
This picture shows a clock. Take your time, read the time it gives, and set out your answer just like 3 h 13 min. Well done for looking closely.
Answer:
4 h 25 min
